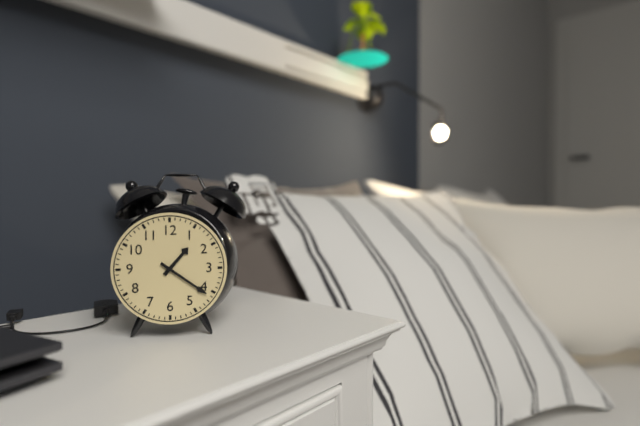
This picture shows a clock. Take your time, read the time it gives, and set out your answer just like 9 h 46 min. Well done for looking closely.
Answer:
1 h 21 min
